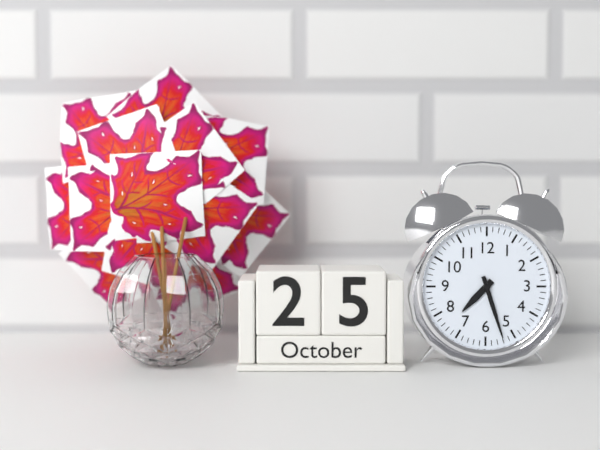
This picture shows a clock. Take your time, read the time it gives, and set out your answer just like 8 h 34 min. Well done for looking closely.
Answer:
7 h 27 min
